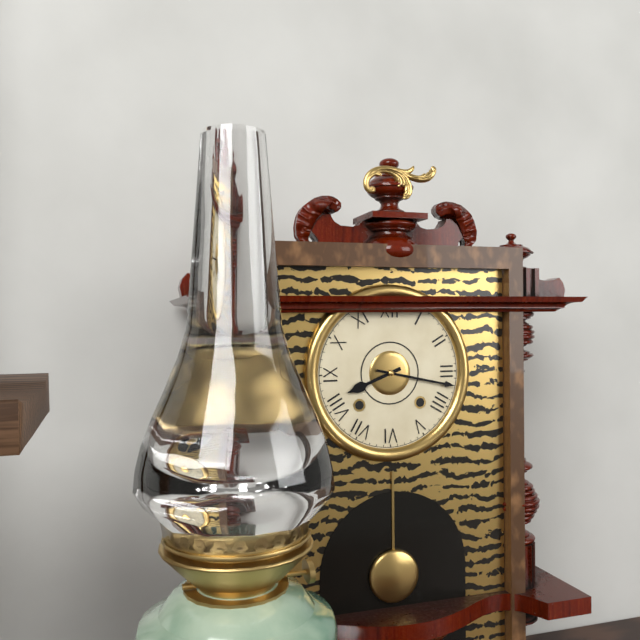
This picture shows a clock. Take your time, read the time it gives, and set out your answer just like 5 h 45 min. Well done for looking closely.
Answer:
8 h 17 min
